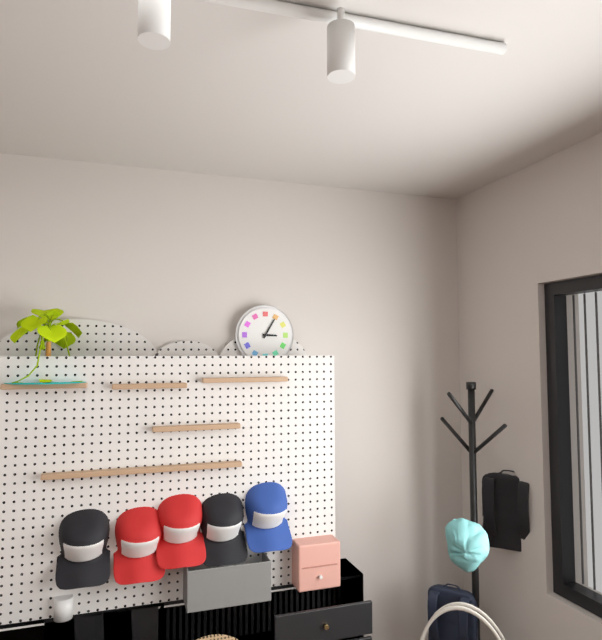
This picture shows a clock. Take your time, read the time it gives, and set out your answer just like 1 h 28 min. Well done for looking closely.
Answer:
3 h 05 min
